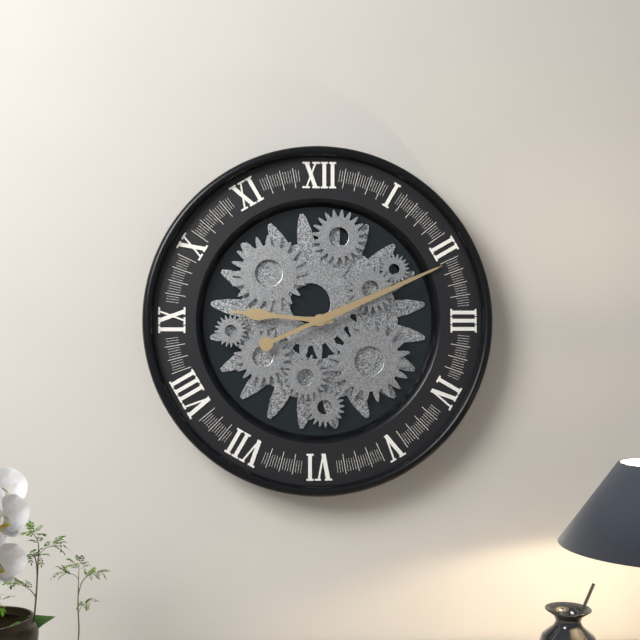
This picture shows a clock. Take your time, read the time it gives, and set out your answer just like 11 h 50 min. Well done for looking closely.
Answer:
9 h 11 min
